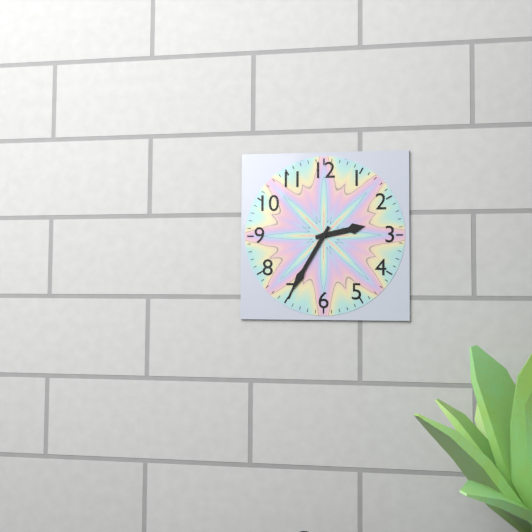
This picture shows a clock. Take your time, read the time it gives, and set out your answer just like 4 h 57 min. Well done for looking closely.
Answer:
2 h 35 min
